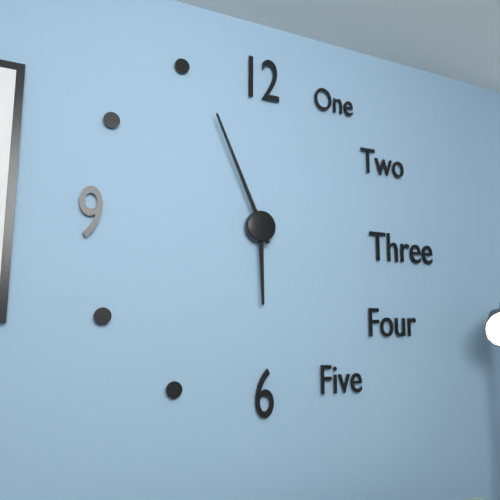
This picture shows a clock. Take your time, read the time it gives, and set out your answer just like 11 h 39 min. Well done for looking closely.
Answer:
5 h 56 min
